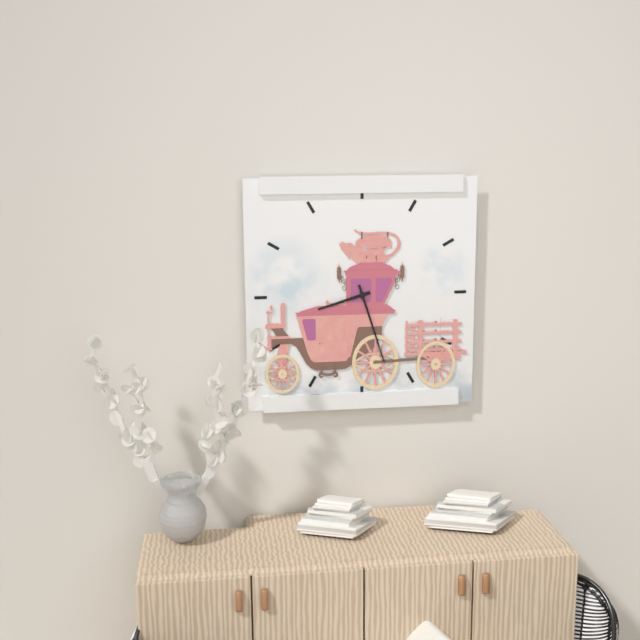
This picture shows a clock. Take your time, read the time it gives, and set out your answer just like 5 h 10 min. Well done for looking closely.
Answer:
8 h 27 min
